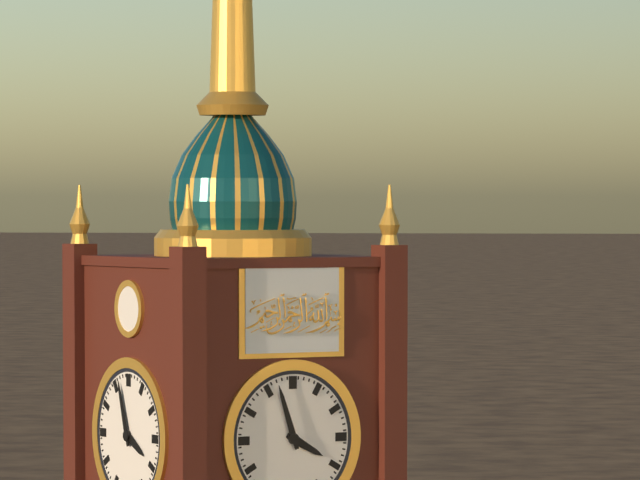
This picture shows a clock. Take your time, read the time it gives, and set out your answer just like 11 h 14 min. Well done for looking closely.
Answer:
3 h 57 min
